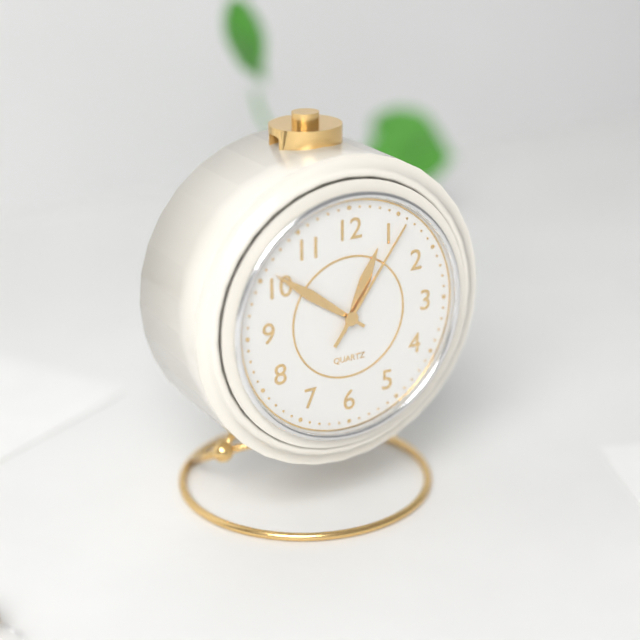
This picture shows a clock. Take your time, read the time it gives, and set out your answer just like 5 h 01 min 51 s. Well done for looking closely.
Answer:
12 h 51 min 06 s
